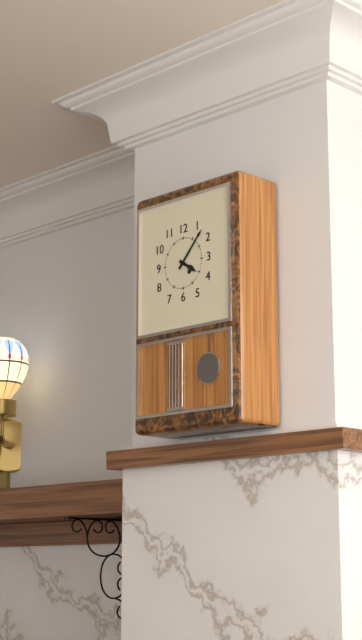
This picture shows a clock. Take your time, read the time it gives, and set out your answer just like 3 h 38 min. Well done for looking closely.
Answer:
4 h 07 min
